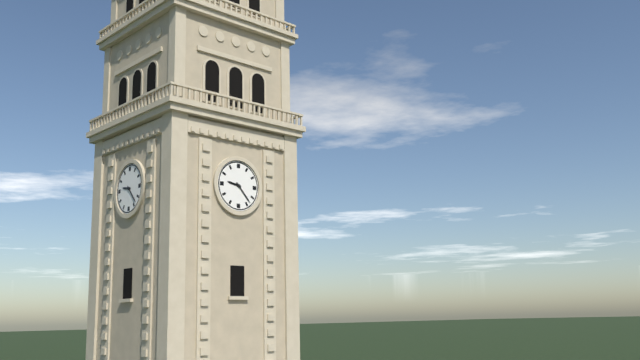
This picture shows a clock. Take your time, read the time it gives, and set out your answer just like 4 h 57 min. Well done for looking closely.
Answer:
9 h 23 min
